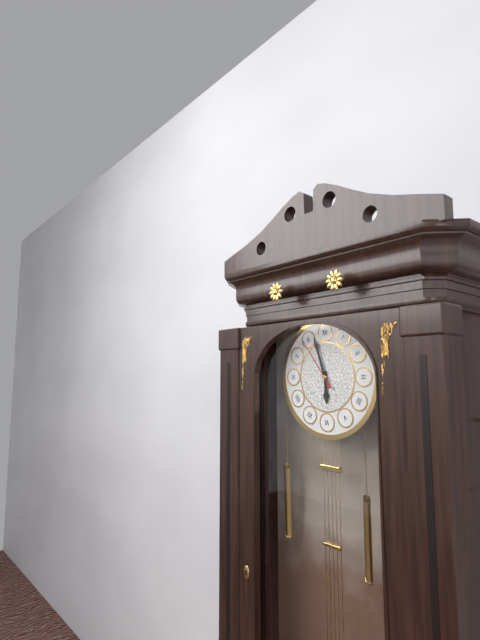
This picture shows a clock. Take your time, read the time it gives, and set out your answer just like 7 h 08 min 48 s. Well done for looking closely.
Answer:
5 h 57 min 54 s
